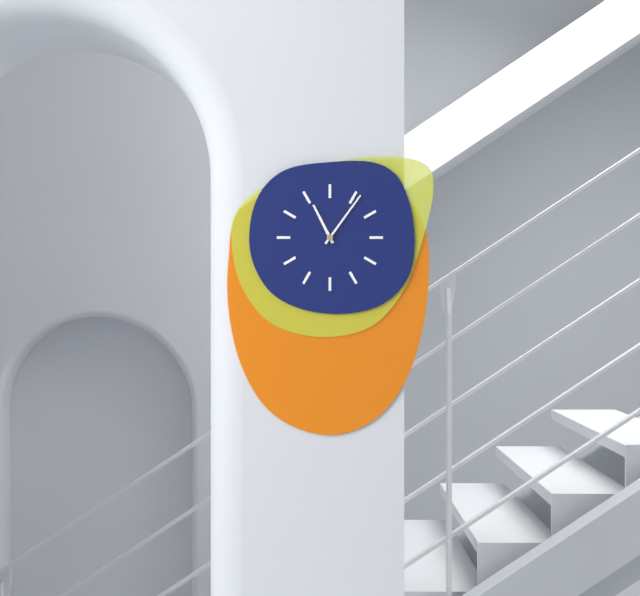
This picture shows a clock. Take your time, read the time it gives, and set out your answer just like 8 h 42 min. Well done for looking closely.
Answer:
11 h 06 min
